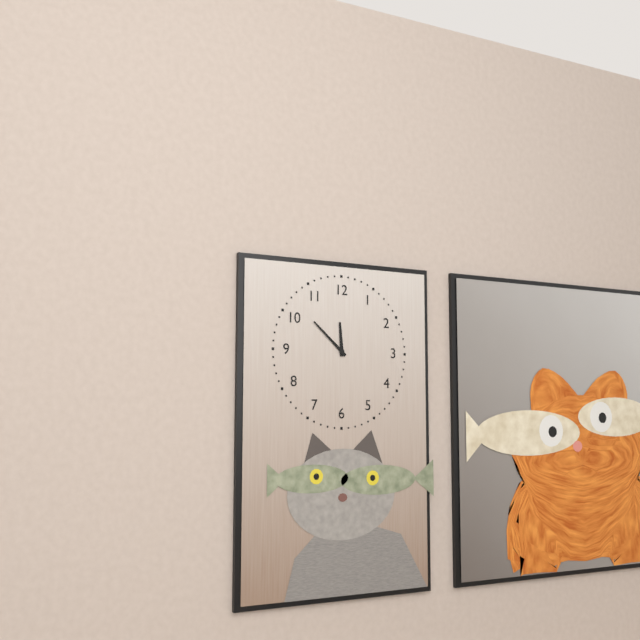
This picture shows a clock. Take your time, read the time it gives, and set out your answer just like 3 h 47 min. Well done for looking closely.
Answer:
11 h 52 min
